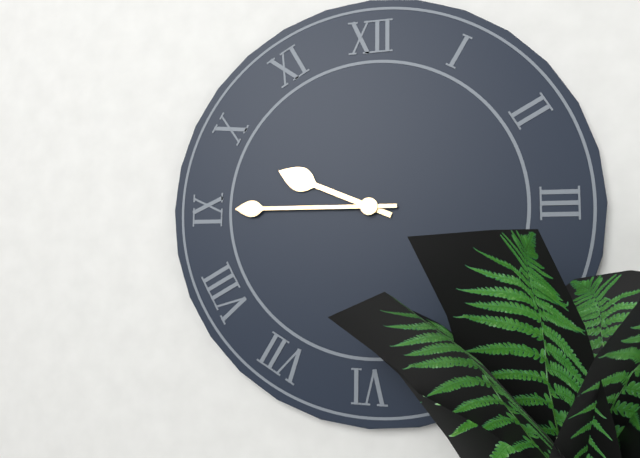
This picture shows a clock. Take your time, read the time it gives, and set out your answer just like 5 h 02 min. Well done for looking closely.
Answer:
9 h 45 min
